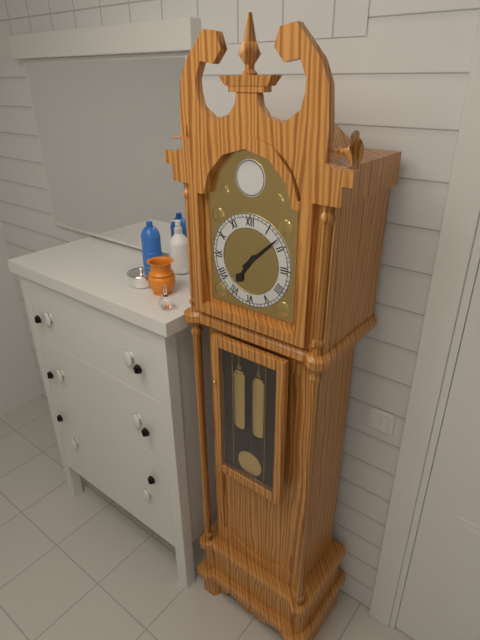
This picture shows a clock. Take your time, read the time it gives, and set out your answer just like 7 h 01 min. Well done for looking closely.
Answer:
7 h 08 min
